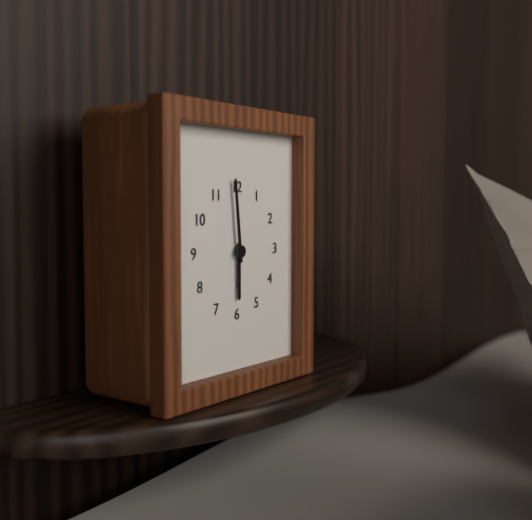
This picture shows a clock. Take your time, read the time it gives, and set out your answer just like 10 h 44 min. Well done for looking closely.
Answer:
5 h 59 min
